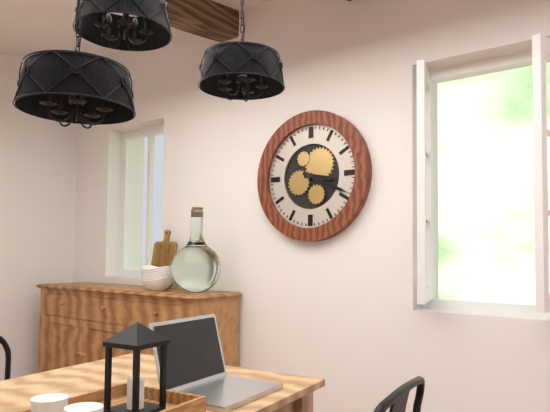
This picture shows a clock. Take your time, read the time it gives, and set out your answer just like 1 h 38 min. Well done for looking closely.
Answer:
3 h 19 min
